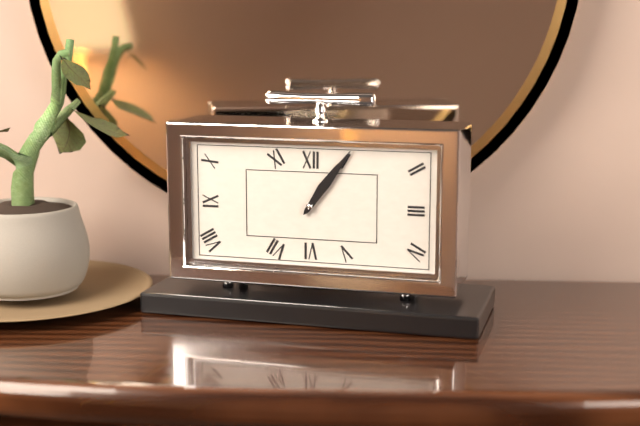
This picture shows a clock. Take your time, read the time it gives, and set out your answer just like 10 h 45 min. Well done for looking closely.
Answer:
1 h 06 min
